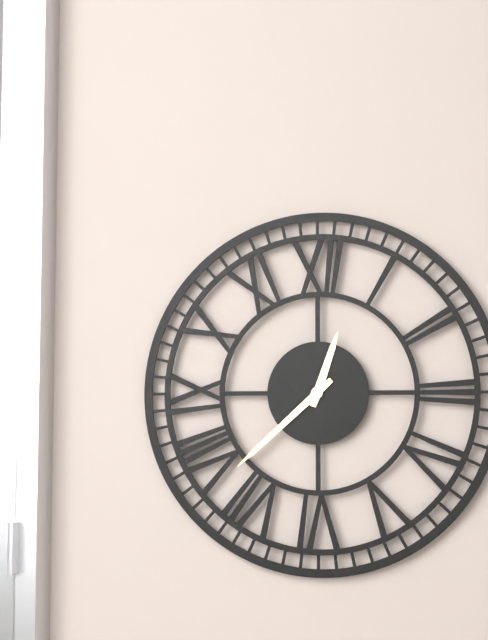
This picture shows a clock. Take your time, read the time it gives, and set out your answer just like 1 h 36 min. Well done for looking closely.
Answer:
12 h 38 min
